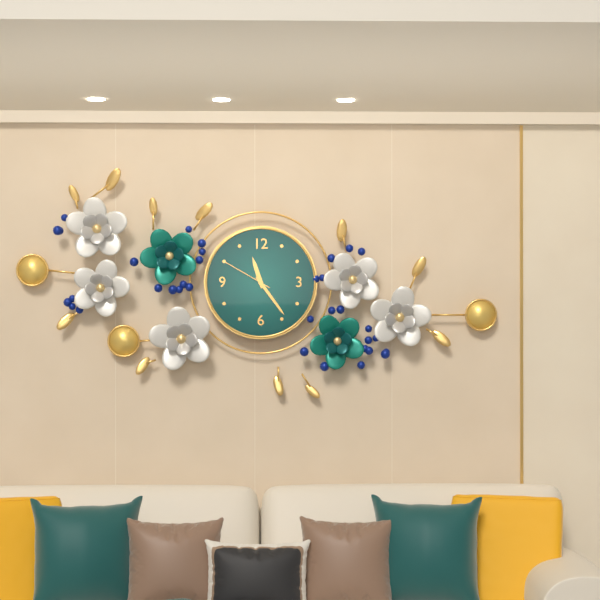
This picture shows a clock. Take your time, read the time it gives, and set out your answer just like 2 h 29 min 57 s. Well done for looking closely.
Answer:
11 h 24 min 50 s
